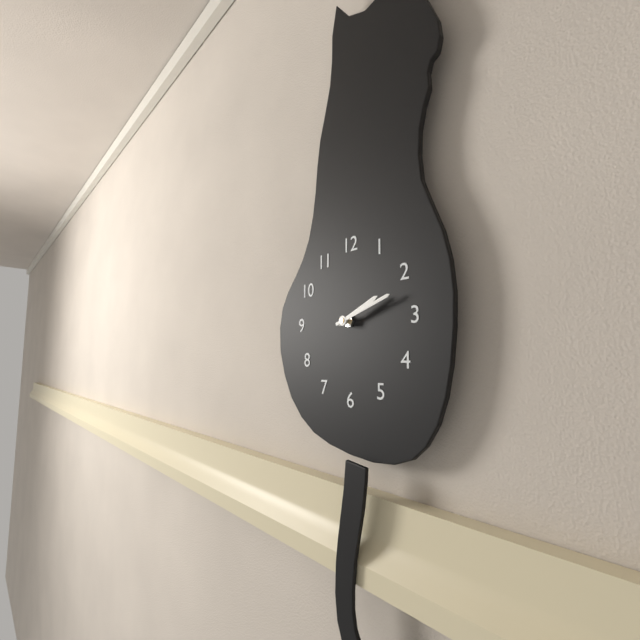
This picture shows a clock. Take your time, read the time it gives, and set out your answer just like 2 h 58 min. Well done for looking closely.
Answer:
2 h 12 min
